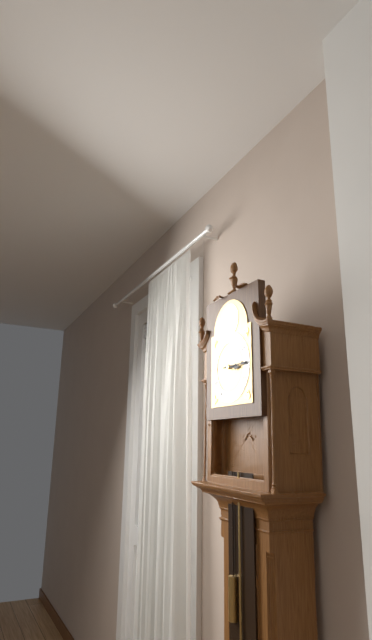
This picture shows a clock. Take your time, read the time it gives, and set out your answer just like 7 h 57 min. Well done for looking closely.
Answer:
3 h 15 min
